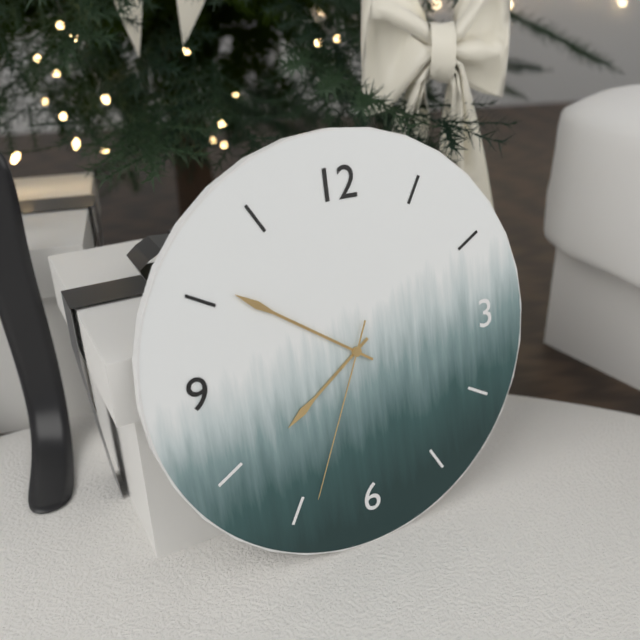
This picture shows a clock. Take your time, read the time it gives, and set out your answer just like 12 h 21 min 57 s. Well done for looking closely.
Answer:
7 h 51 min 34 s
